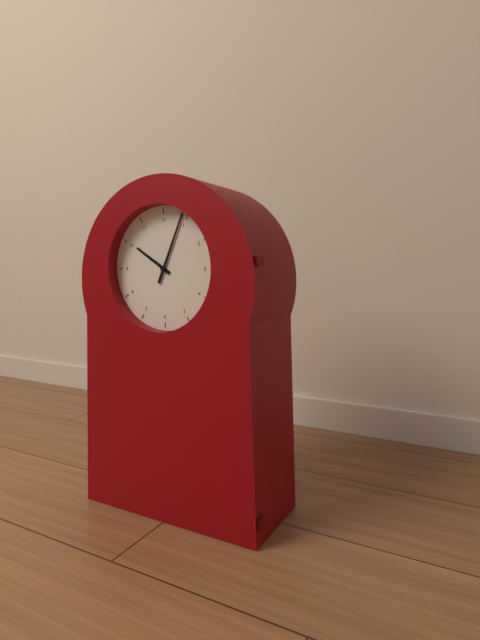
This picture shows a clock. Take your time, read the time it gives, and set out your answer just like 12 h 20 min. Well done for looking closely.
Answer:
10 h 04 min
